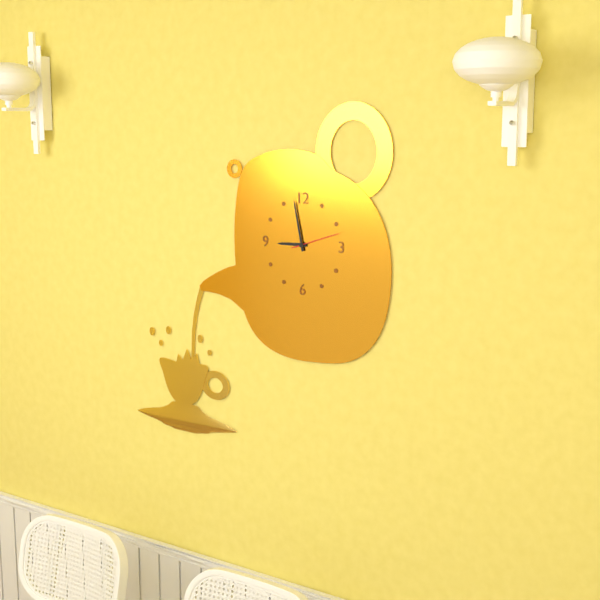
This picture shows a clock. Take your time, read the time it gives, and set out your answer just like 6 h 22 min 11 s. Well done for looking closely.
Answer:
8 h 58 min 12 s
